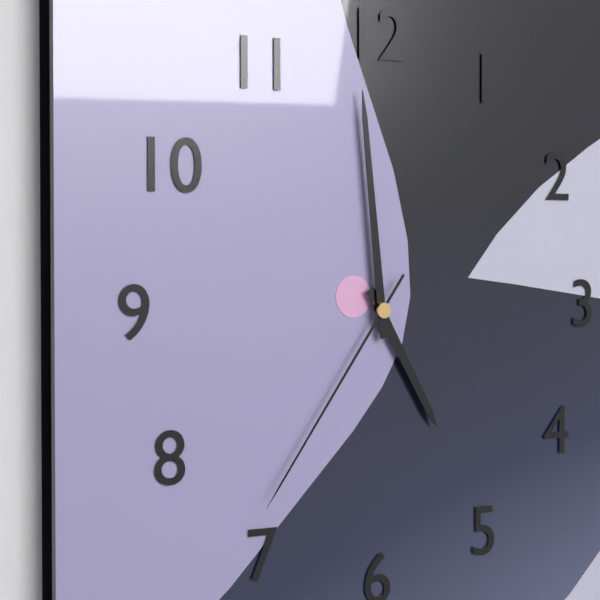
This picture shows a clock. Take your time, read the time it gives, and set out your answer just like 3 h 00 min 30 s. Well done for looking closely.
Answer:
4 h 59 min 36 s
